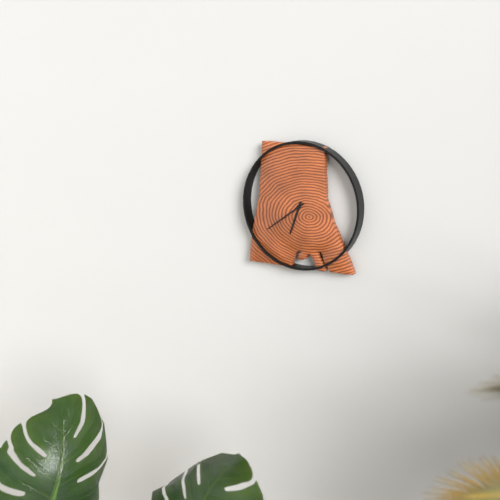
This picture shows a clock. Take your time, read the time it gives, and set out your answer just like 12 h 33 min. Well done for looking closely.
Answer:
6 h 39 min
